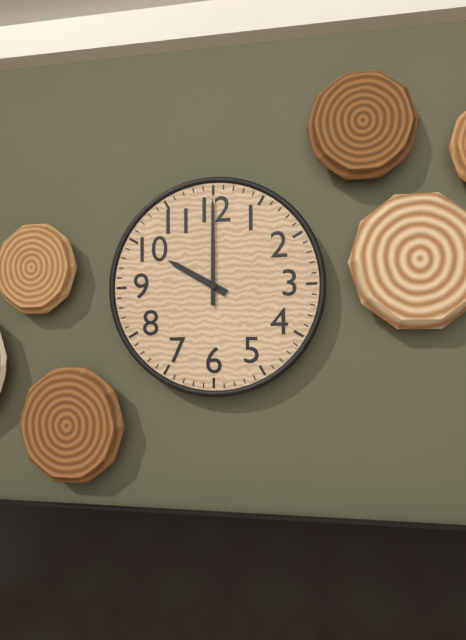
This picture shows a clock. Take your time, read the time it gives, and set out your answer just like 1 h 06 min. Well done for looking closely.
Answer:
10 h 00 min
